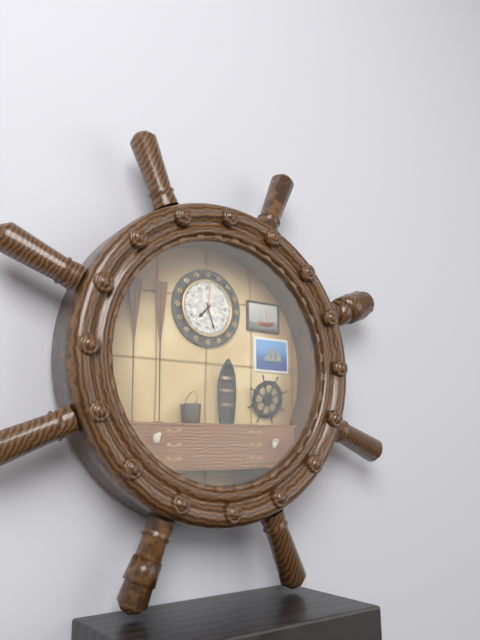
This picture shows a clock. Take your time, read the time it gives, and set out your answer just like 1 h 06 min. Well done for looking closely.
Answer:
7 h 27 min
